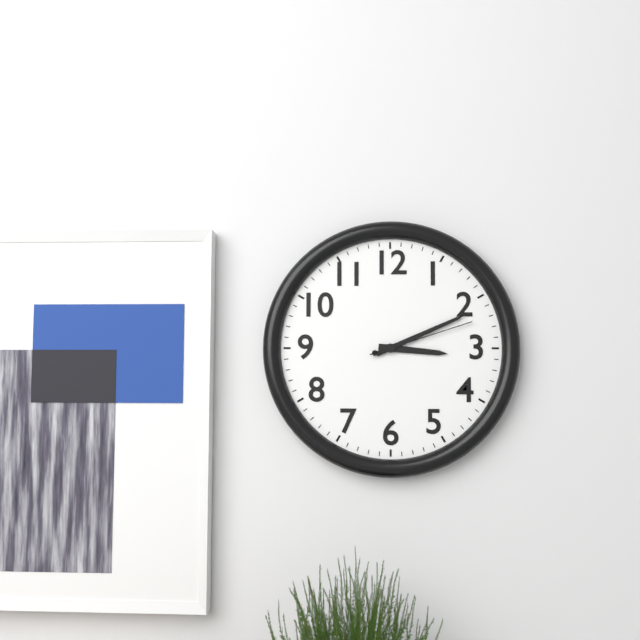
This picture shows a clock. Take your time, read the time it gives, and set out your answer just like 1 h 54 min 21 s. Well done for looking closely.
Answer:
3 h 11 min 12 s
